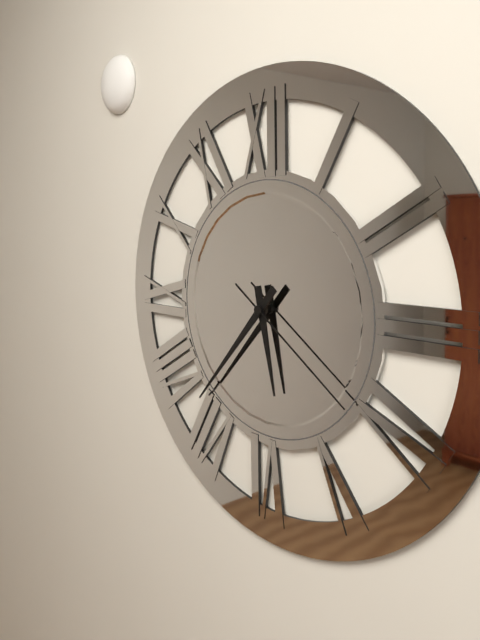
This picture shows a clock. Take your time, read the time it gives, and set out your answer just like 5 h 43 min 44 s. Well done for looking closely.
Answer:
5 h 37 min 21 s
